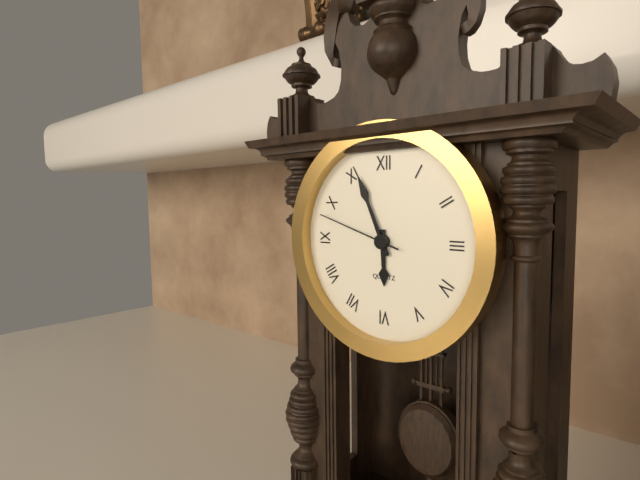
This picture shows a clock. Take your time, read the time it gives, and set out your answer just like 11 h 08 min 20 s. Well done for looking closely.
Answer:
5 h 56 min 48 s
